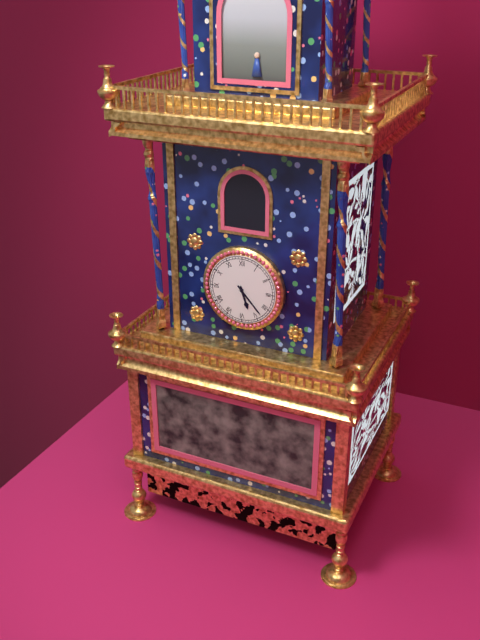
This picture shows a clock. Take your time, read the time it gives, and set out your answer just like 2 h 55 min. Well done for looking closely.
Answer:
5 h 23 min
